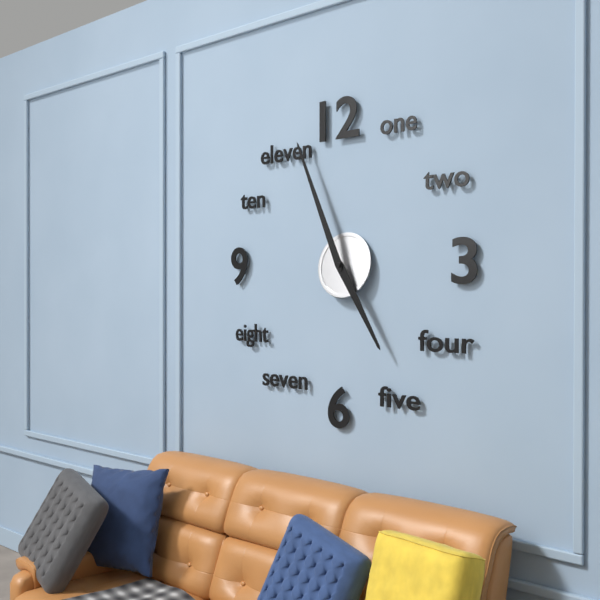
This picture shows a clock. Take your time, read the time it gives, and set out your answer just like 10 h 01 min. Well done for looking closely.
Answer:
4 h 56 min
